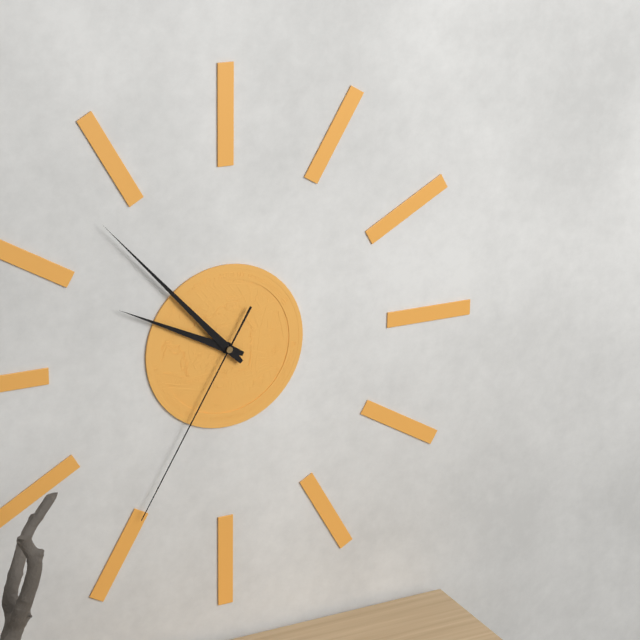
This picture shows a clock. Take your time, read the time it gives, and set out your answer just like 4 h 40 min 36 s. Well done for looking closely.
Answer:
9 h 53 min 35 s
